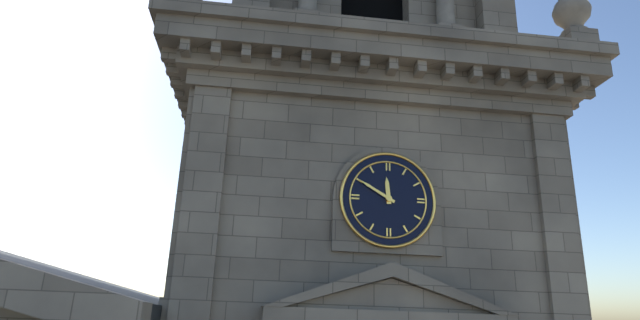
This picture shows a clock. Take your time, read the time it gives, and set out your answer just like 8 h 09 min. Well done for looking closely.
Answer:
11 h 50 min
